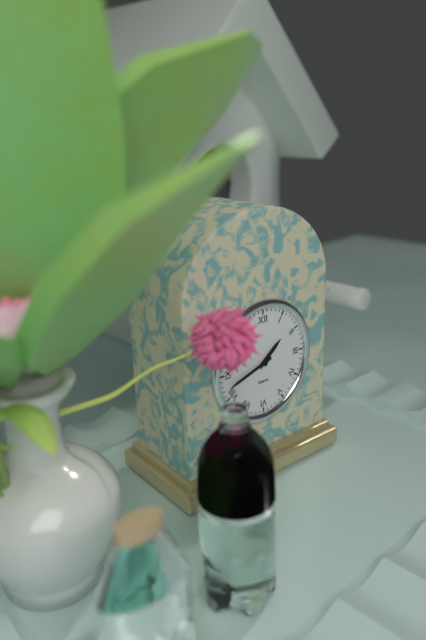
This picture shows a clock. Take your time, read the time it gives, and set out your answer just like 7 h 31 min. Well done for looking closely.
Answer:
1 h 42 min
